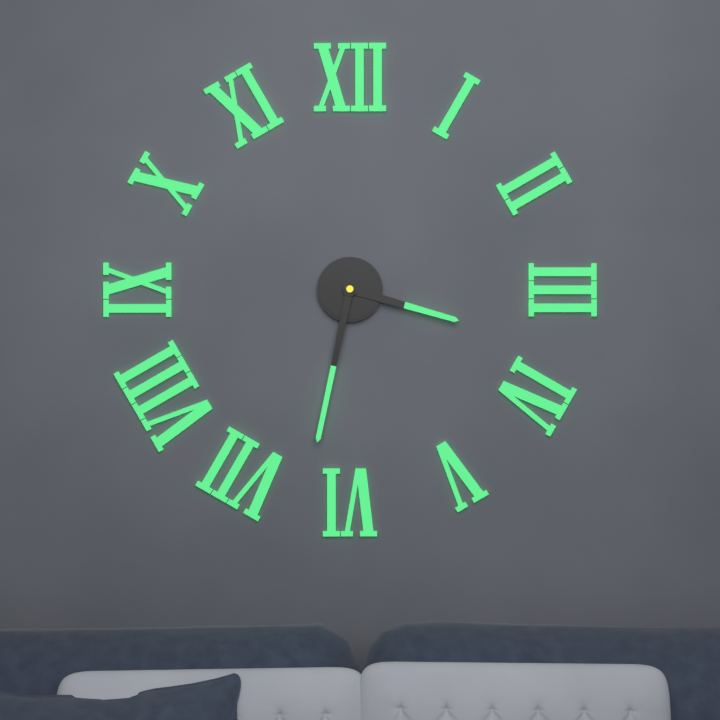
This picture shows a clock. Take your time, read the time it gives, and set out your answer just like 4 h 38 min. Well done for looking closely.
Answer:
3 h 32 min
